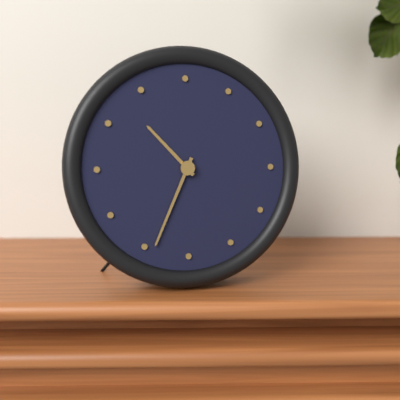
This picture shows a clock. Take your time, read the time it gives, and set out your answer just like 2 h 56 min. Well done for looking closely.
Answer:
10 h 34 min
